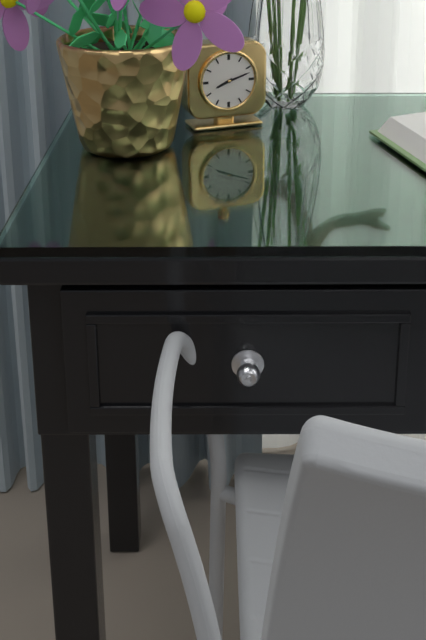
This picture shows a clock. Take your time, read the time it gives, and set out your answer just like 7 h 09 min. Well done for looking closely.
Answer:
8 h 12 min
